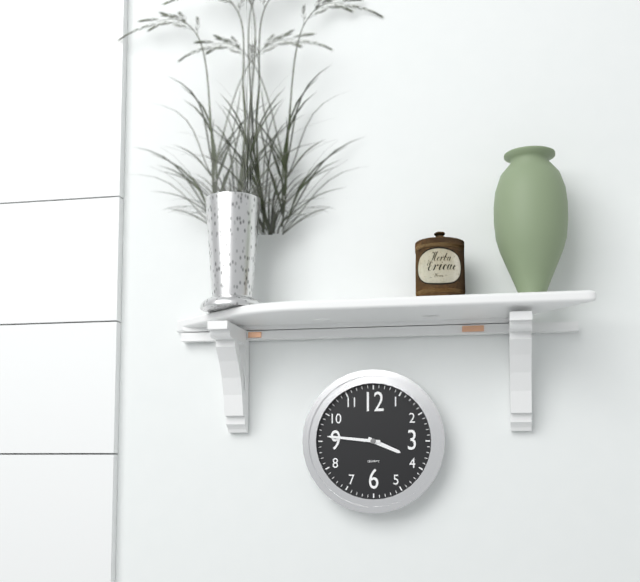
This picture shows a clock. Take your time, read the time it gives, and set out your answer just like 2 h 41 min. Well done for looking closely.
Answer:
3 h 46 min
